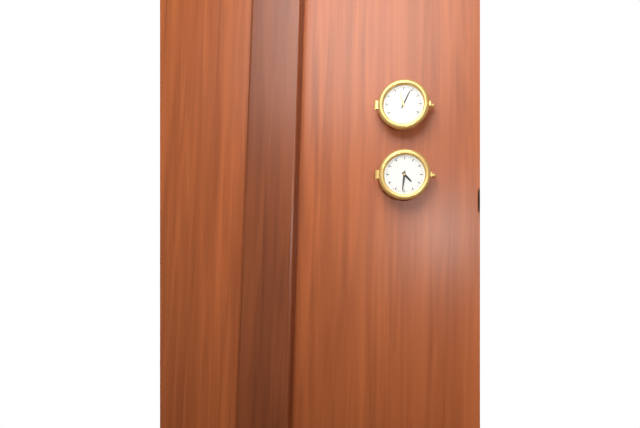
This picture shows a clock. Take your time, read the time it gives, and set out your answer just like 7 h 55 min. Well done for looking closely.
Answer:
4 h 31 min
